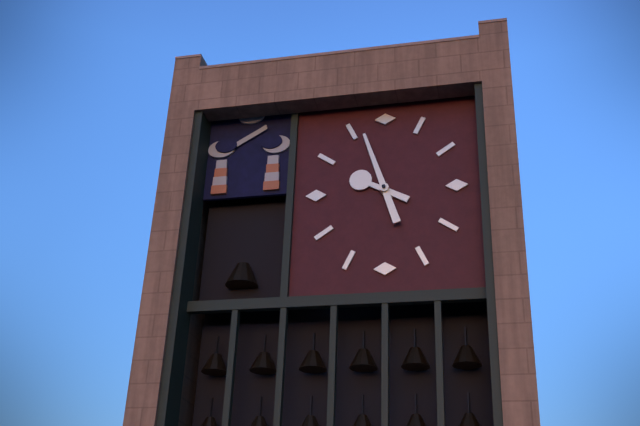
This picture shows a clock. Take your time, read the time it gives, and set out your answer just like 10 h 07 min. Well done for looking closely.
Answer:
9 h 57 min
